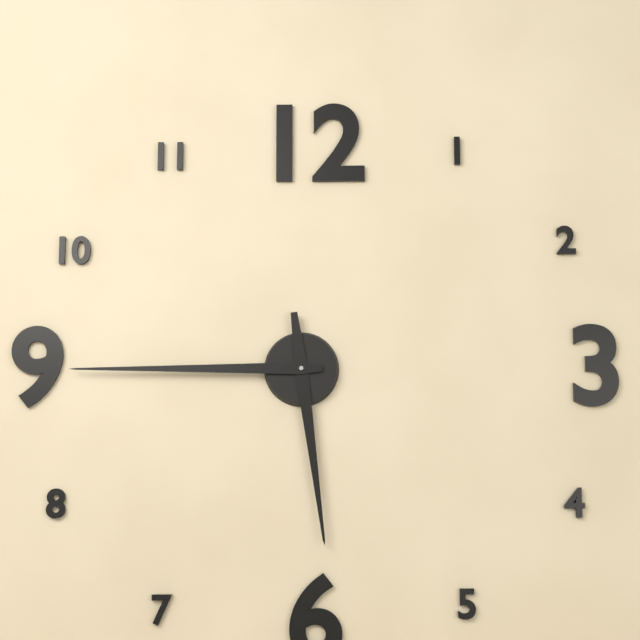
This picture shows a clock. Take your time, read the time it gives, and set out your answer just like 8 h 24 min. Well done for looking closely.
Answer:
5 h 45 min
